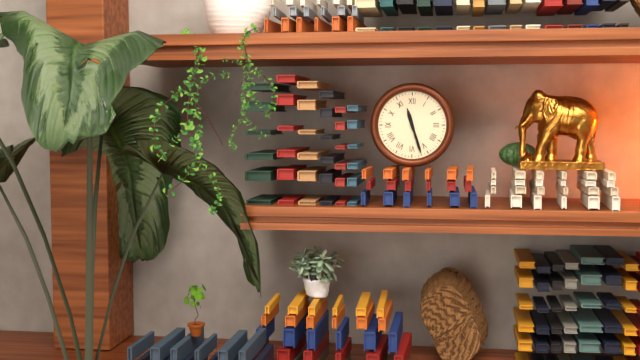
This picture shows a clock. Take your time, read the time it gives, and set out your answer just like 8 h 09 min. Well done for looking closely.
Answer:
11 h 27 min
